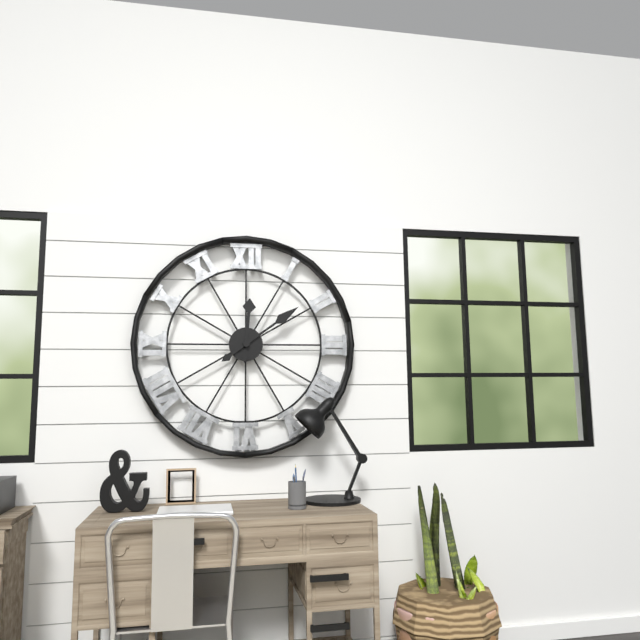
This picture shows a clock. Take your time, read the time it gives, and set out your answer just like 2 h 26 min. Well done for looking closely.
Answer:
12 h 09 min
